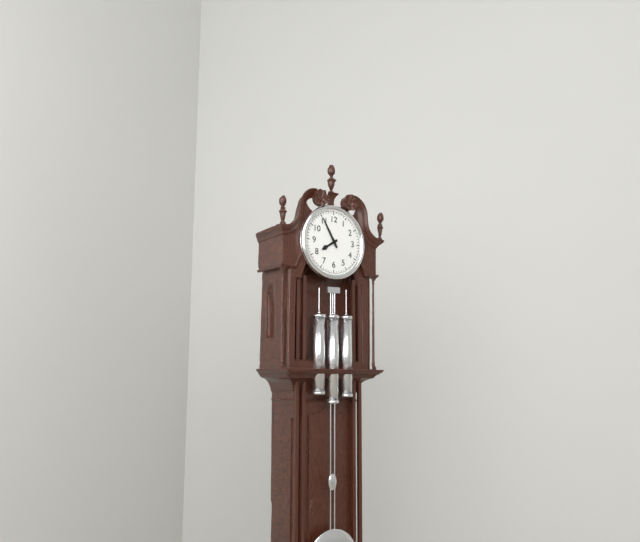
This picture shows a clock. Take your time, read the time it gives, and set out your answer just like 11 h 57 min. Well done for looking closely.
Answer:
7 h 55 min
